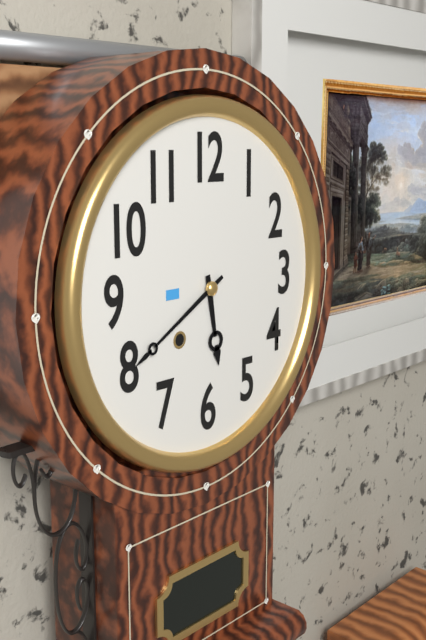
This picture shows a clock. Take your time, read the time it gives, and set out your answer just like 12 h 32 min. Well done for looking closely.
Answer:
5 h 40 min
